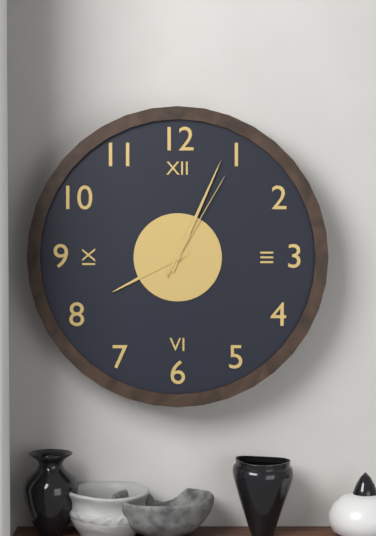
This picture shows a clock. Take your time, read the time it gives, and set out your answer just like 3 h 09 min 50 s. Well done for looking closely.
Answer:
8 h 04 min 05 s
